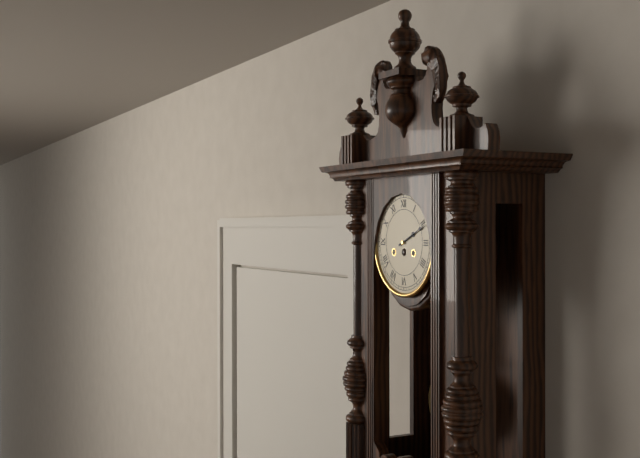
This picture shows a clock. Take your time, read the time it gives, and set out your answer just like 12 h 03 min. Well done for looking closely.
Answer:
2 h 11 min
